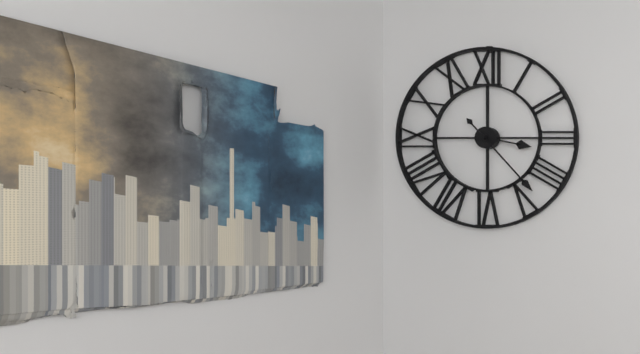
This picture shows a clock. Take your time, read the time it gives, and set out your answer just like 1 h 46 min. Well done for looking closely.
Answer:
3 h 23 min
